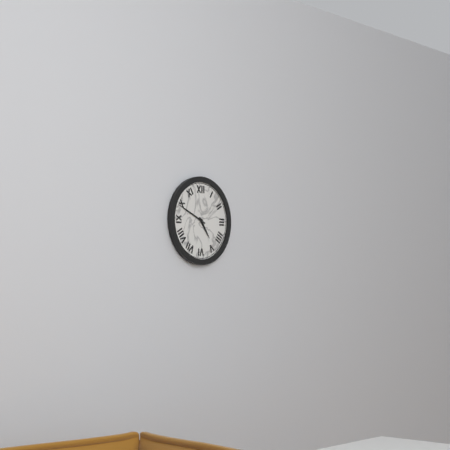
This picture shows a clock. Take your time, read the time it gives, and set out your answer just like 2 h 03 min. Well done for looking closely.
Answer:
4 h 49 min
